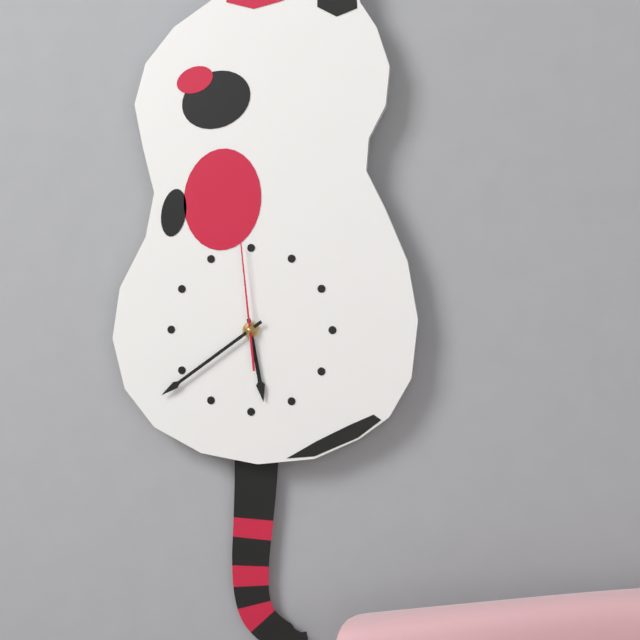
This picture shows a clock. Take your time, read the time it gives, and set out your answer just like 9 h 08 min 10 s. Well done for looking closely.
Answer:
5 h 39 min 59 s
